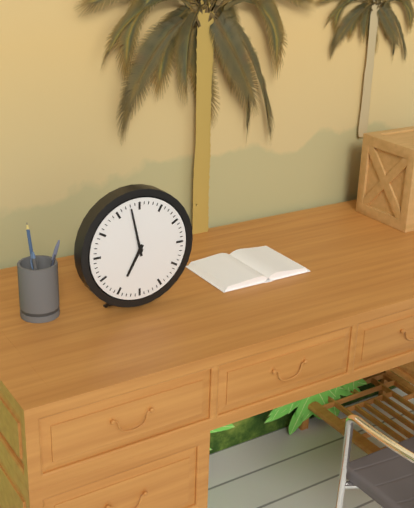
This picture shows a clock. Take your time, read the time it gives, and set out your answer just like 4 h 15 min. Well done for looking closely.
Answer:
6 h 58 min
